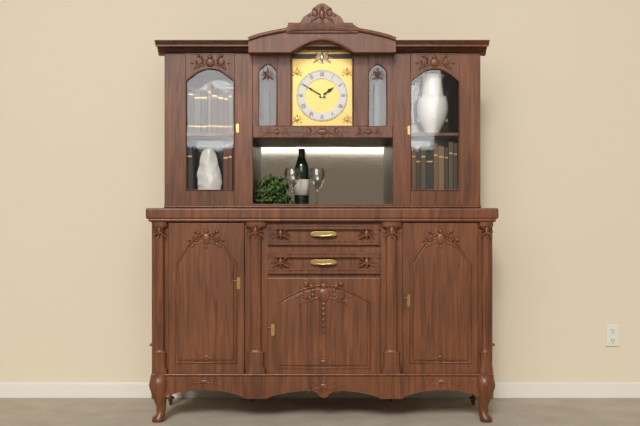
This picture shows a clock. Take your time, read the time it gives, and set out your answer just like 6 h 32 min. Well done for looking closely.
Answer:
1 h 50 min
